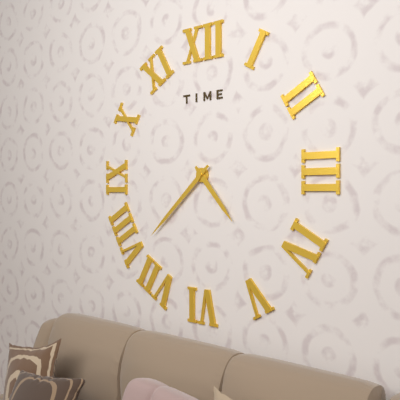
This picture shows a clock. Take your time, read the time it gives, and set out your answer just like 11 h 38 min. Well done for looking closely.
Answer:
4 h 38 min
